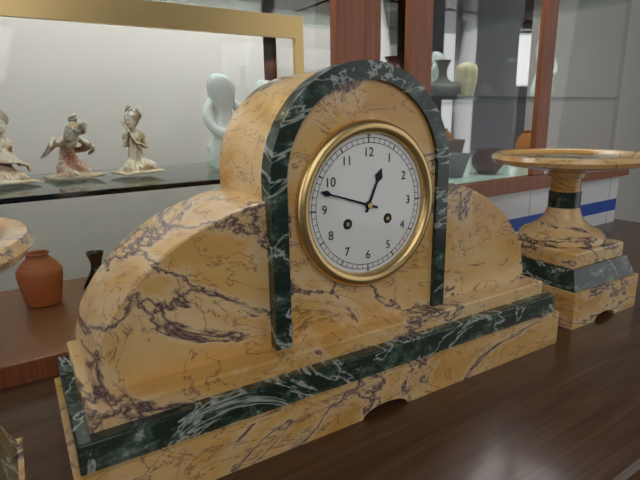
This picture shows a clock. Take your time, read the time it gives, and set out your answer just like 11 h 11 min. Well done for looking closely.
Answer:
12 h 48 min
